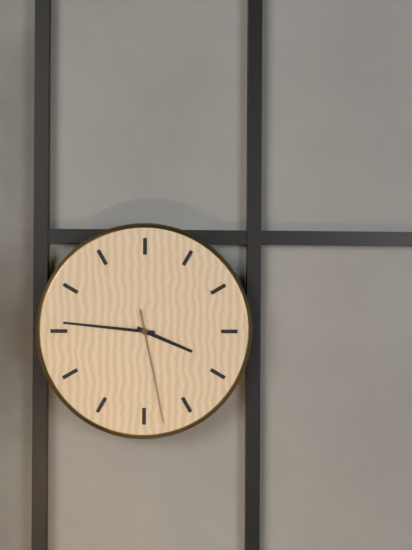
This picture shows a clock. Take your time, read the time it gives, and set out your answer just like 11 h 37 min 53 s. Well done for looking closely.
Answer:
3 h 46 min 28 s
